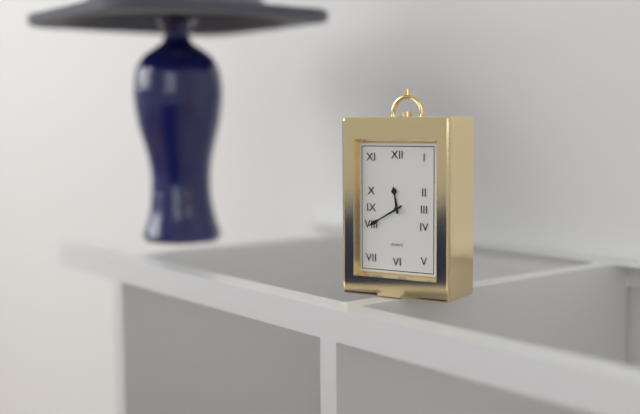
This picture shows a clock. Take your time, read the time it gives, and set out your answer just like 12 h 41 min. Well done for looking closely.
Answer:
11 h 40 min
